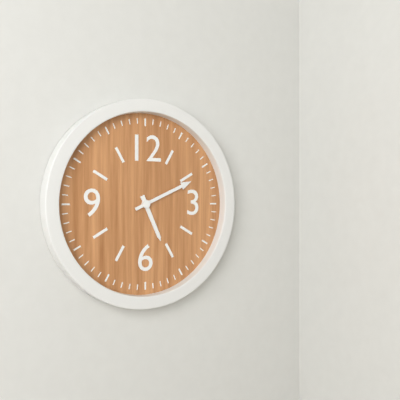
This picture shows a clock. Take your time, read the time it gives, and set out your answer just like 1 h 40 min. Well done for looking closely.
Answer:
5 h 11 min
